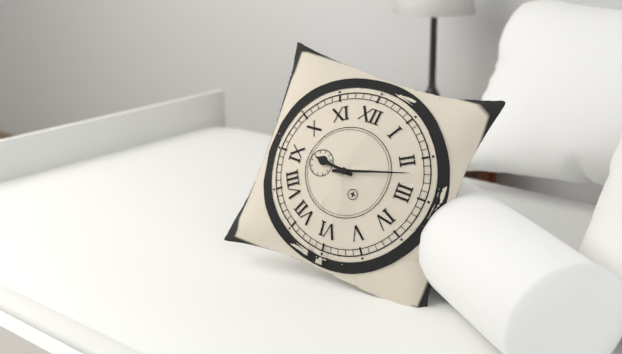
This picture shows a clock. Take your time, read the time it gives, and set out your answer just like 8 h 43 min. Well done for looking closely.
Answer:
9 h 12 min
